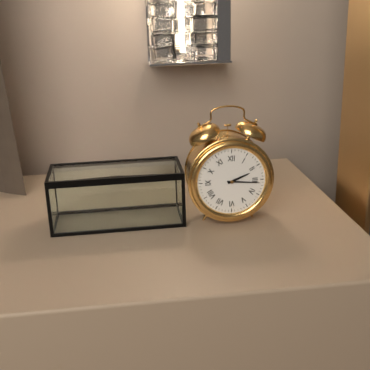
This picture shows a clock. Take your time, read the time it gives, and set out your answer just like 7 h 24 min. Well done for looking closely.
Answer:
2 h 16 min
